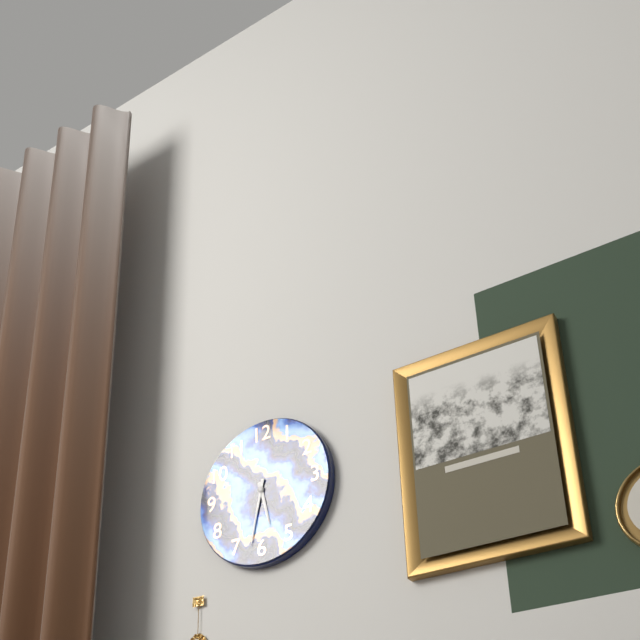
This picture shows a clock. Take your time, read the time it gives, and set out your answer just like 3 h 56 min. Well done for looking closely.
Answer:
5 h 32 min
